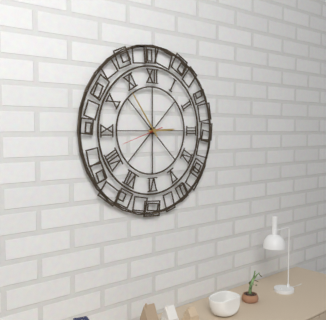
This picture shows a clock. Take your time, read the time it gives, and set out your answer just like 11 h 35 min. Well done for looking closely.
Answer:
2 h 54 min
